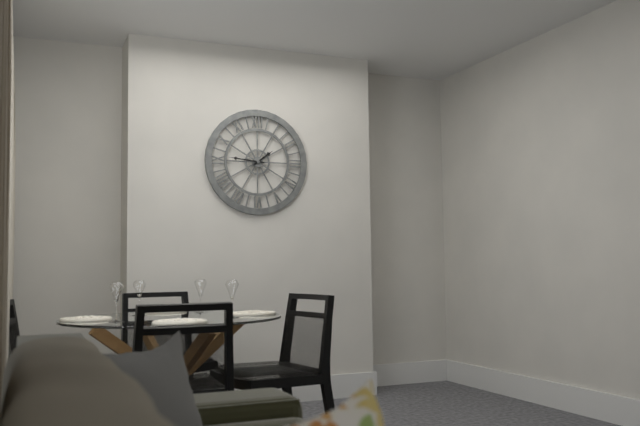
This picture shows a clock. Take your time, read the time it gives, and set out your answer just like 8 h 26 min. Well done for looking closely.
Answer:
1 h 46 min
